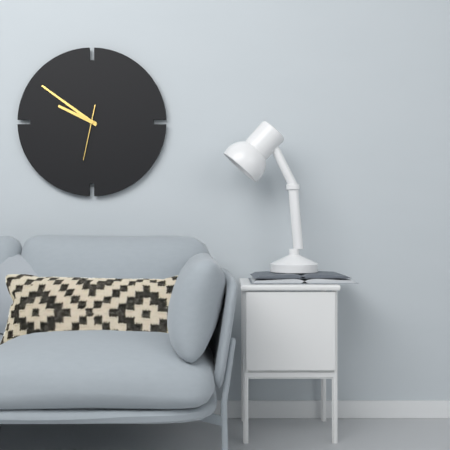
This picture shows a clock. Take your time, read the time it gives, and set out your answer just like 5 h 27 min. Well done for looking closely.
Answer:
9 h 51 min
